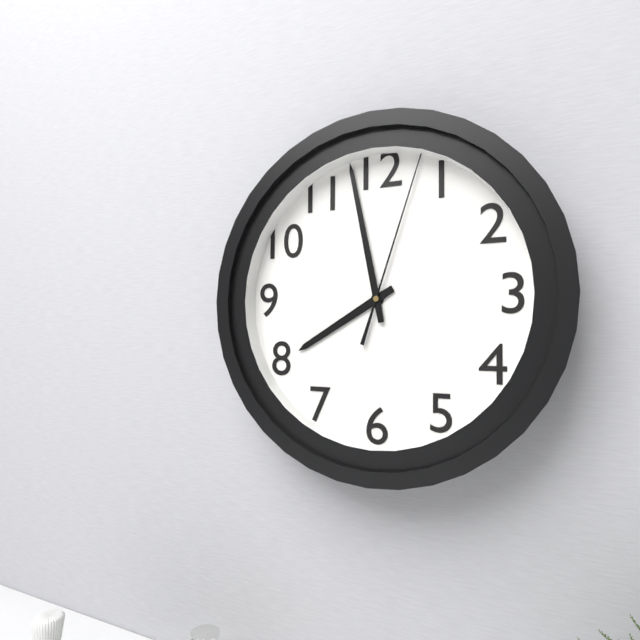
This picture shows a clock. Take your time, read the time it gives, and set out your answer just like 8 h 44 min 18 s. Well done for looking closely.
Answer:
7 h 58 min 03 s
